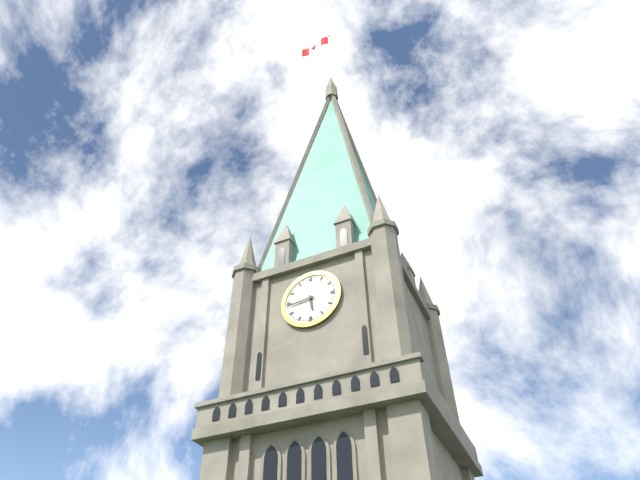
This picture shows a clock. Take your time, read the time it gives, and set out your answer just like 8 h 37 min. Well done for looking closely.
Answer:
5 h 44 min
